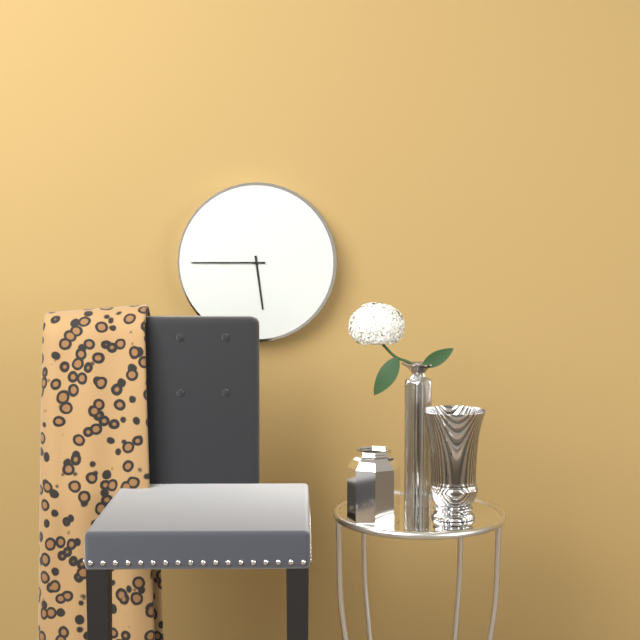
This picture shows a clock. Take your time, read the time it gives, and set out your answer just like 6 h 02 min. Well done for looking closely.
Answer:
5 h 45 min
